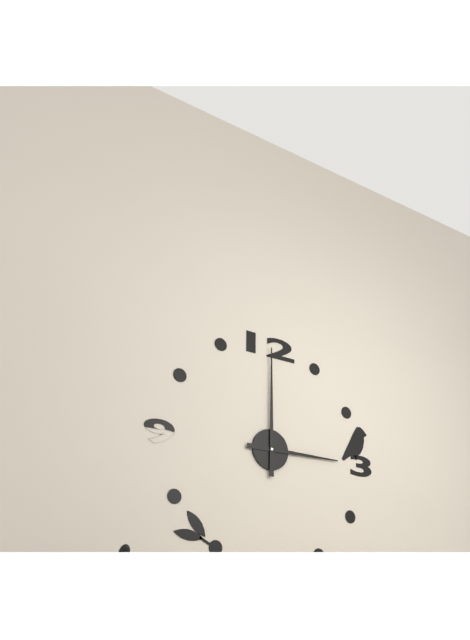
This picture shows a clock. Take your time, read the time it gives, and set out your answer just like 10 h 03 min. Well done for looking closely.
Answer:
3 h 00 min
